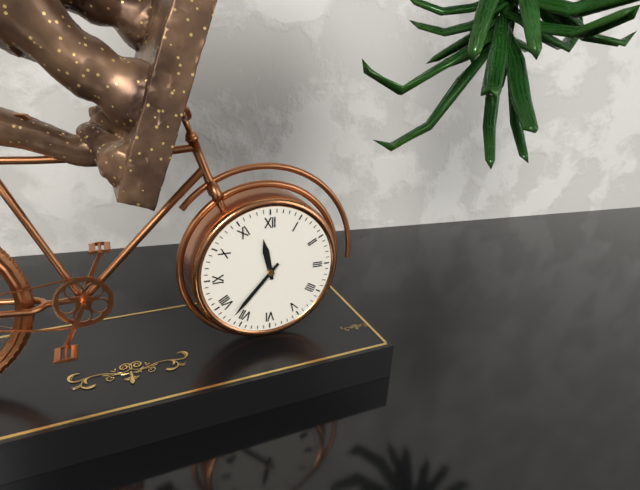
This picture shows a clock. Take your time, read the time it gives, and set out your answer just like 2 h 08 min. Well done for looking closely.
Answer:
11 h 37 min
